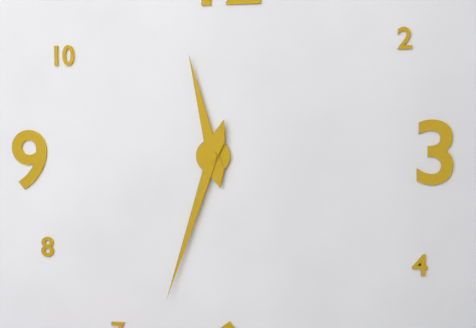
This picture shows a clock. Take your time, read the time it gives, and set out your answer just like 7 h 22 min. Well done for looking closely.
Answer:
11 h 33 min
